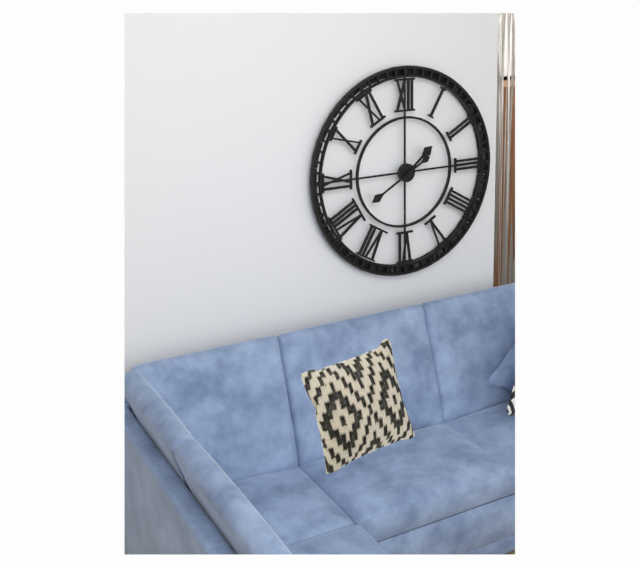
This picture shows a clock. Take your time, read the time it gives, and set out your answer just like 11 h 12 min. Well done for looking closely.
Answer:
1 h 40 min
